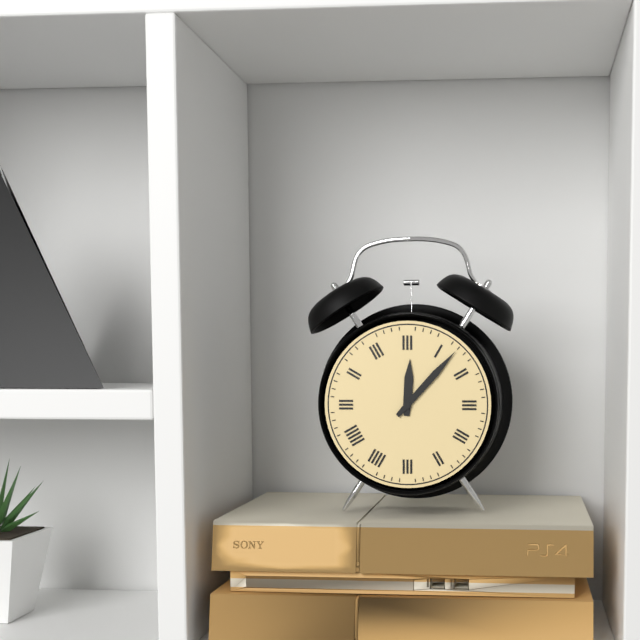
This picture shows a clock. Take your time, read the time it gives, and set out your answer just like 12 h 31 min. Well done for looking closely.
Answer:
12 h 07 min
